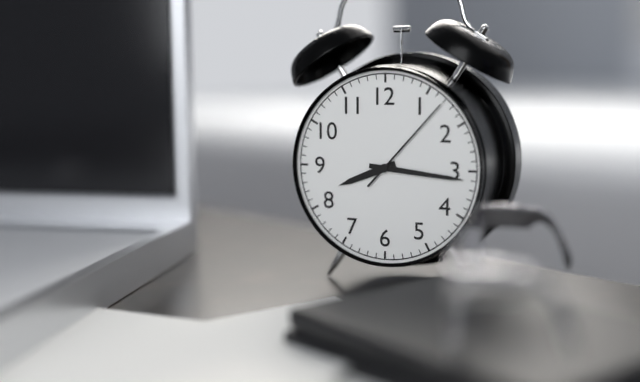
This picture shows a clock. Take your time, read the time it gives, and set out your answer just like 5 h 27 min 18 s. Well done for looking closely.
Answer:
8 h 16 min 07 s
